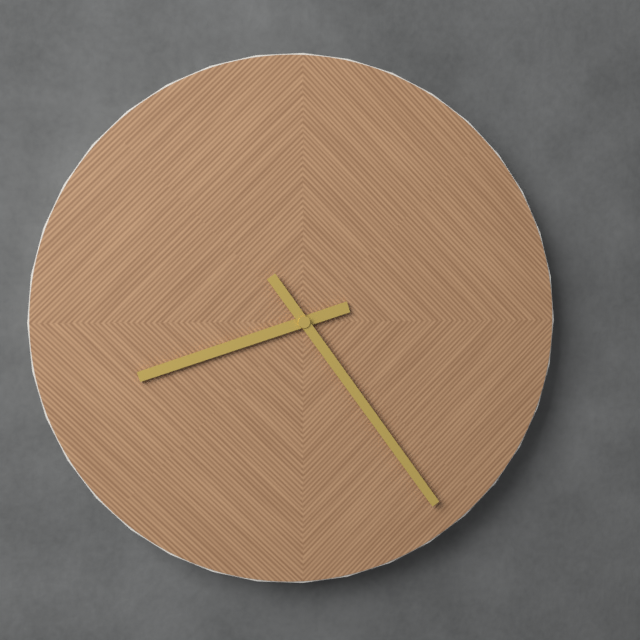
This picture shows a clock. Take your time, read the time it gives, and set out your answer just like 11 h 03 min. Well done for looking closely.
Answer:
8 h 24 min
